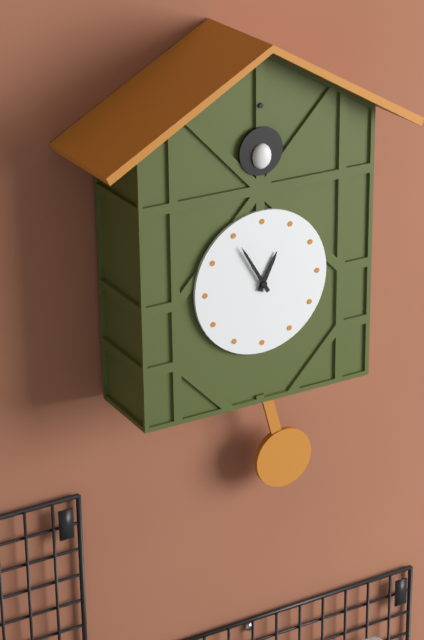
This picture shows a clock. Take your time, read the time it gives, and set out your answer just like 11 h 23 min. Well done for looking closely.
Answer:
12 h 55 min
